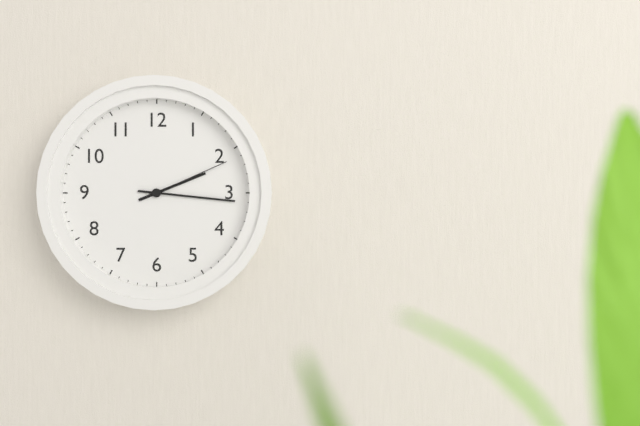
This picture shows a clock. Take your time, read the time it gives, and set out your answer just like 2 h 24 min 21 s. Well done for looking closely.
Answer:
2 h 16 min 11 s
